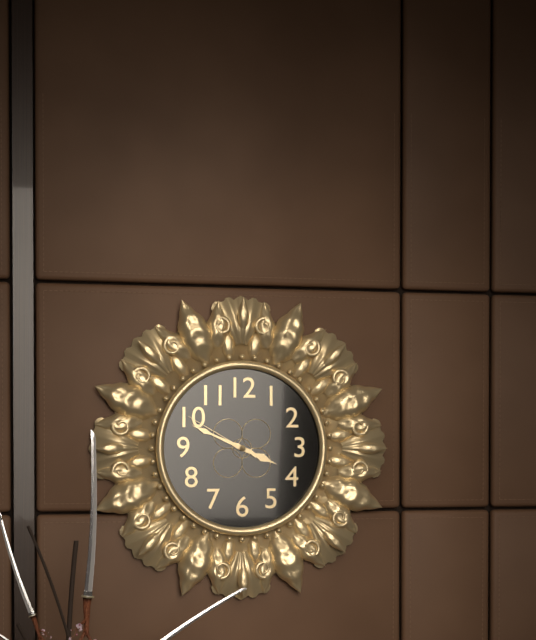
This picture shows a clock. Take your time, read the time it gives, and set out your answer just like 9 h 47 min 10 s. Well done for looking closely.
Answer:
3 h 49 min 50 s
